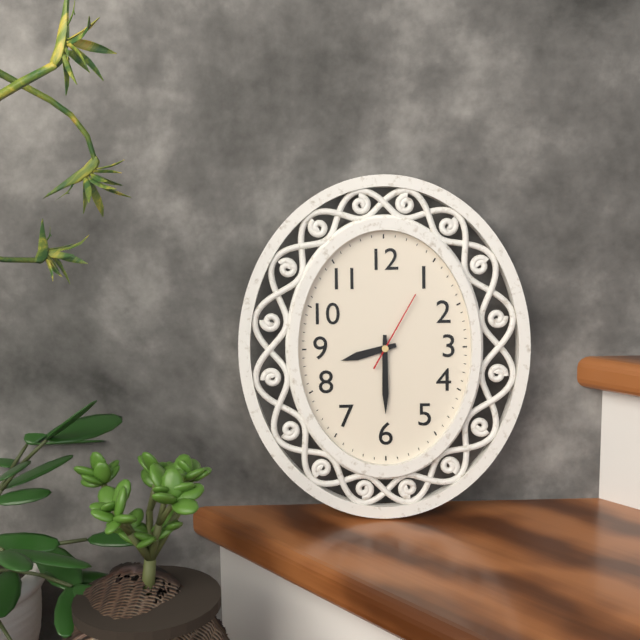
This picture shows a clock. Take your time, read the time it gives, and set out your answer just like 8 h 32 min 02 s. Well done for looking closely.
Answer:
8 h 30 min 05 s
